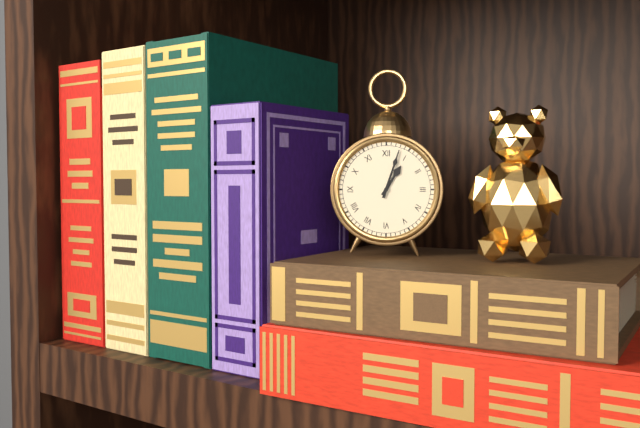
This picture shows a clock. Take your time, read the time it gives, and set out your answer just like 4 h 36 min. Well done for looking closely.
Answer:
1 h 03 min
